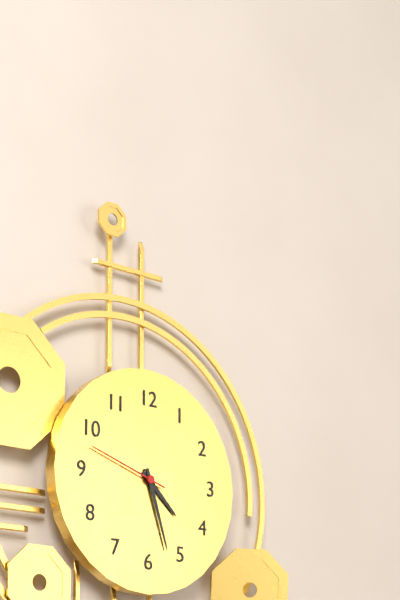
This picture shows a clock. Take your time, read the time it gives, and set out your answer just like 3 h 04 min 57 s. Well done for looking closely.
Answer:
4 h 27 min 48 s
